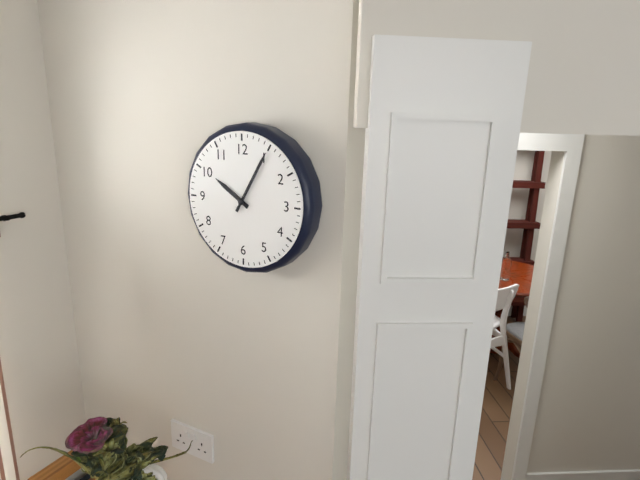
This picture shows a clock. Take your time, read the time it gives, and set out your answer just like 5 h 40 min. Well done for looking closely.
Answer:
10 h 05 min
